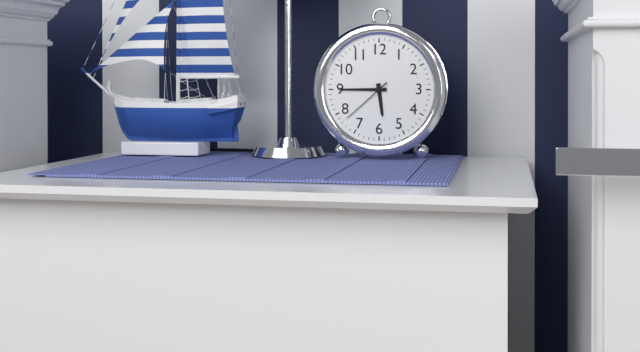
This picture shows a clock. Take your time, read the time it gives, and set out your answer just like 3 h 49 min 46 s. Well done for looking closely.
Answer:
5 h 45 min 38 s
